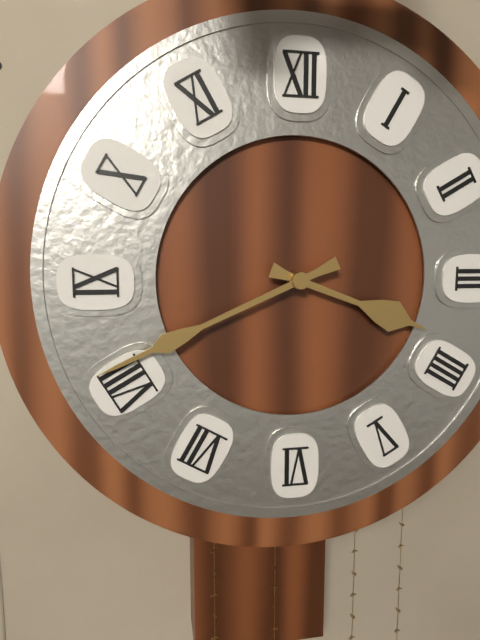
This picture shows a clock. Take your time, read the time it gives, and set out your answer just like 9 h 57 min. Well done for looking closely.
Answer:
3 h 41 min
